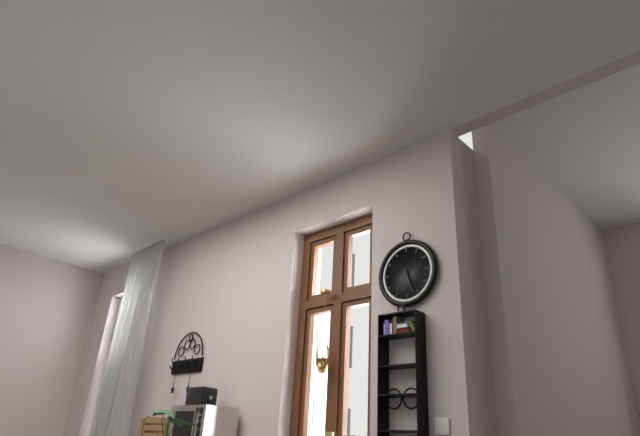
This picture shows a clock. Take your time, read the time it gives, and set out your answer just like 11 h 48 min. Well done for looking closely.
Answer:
5 h 27 min
